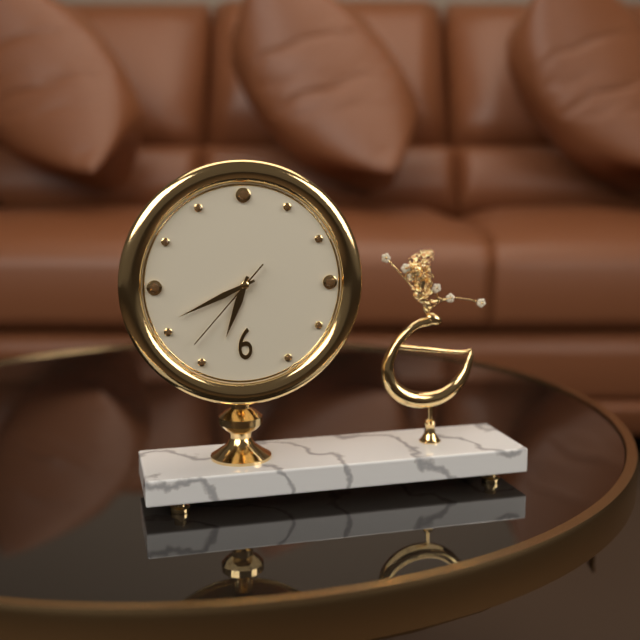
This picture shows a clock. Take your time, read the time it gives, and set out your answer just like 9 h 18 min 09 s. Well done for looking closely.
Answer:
6 h 41 min 37 s
